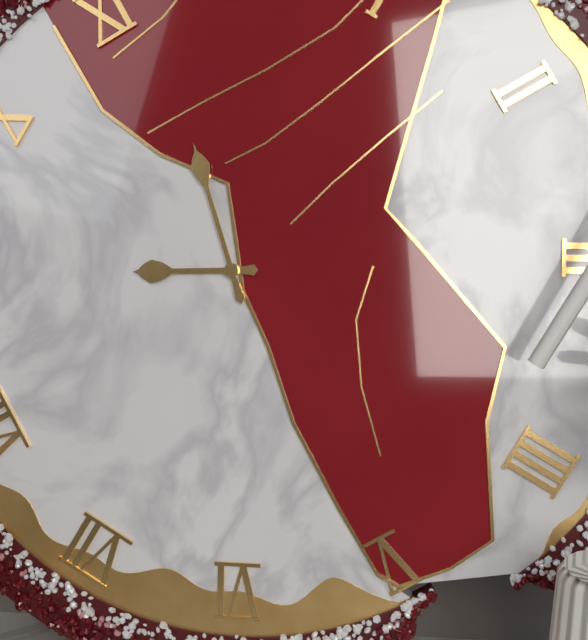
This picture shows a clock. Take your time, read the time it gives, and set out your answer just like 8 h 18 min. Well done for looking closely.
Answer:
8 h 57 min
